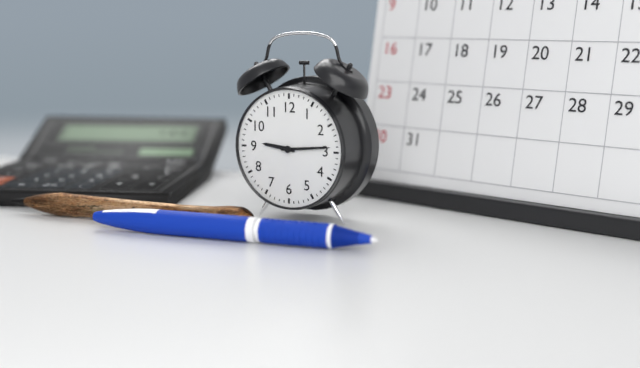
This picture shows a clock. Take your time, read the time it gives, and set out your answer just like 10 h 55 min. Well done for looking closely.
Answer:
9 h 14 min
